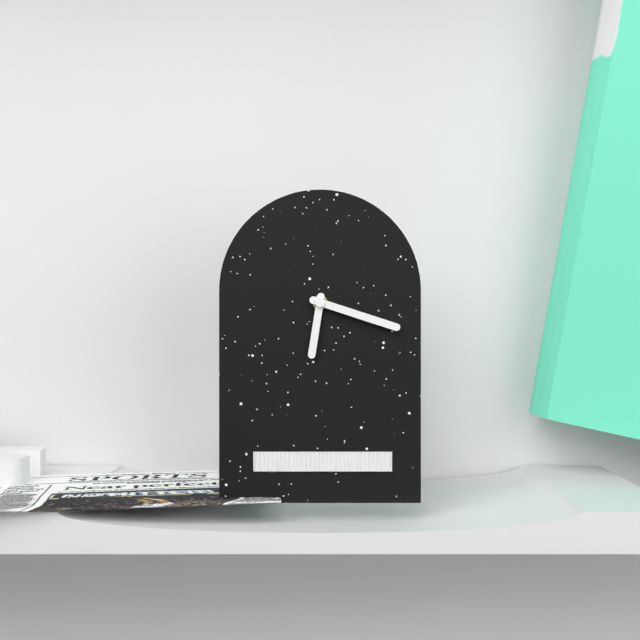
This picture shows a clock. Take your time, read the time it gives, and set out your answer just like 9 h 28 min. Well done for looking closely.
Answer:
6 h 18 min
